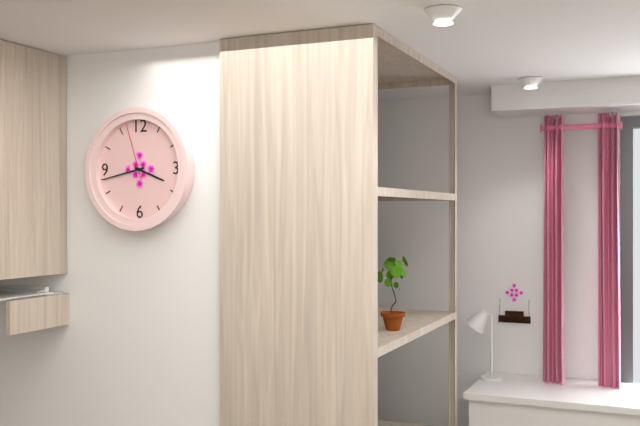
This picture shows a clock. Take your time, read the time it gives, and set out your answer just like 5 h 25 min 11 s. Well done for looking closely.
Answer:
3 h 43 min 57 s
